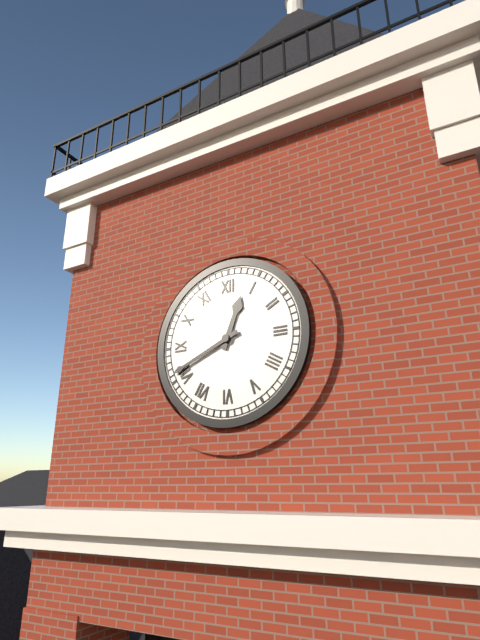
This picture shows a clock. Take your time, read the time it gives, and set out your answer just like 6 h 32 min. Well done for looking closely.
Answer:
12 h 41 min
